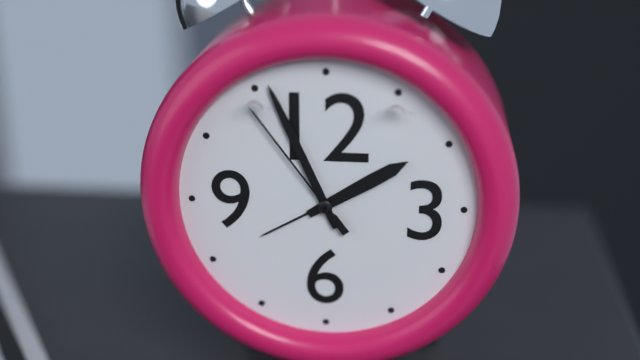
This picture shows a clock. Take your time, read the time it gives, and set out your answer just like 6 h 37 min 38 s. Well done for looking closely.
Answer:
1 h 56 min 54 s
